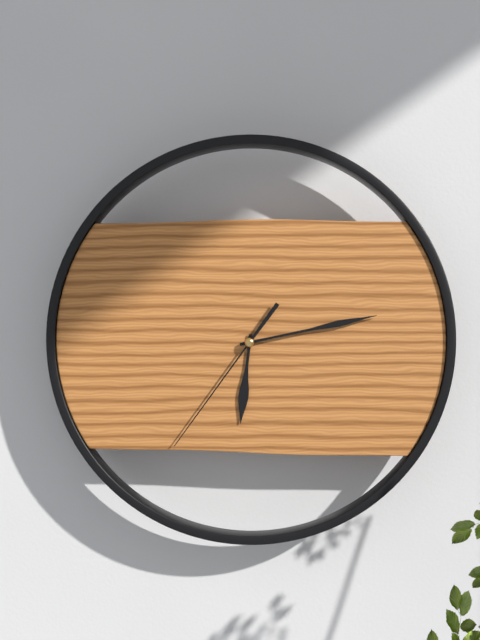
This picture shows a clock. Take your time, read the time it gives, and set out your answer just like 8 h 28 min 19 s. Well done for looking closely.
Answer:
6 h 13 min 36 s
